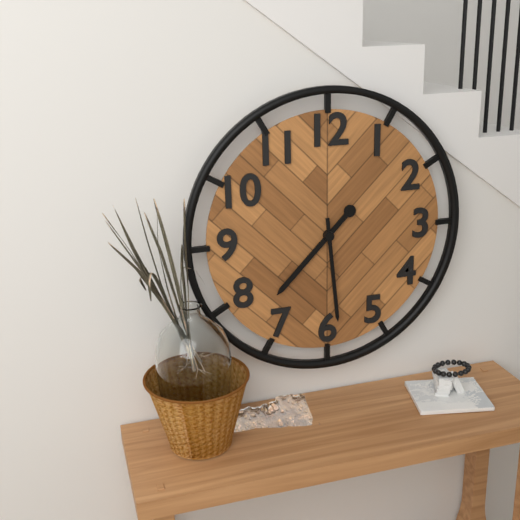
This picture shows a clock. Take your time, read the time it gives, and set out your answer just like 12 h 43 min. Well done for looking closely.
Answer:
7 h 29 min
